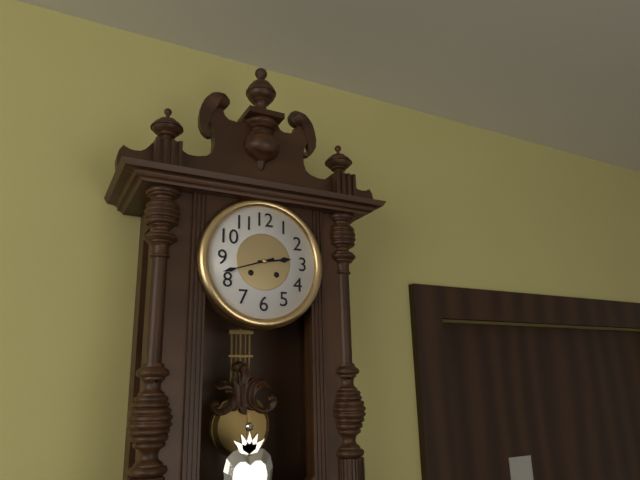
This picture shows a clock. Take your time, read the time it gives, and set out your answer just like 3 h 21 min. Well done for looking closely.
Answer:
2 h 42 min
